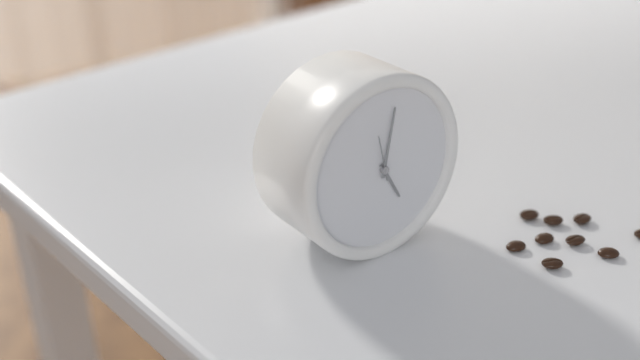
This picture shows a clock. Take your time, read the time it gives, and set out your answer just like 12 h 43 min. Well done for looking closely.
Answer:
5 h 02 min
